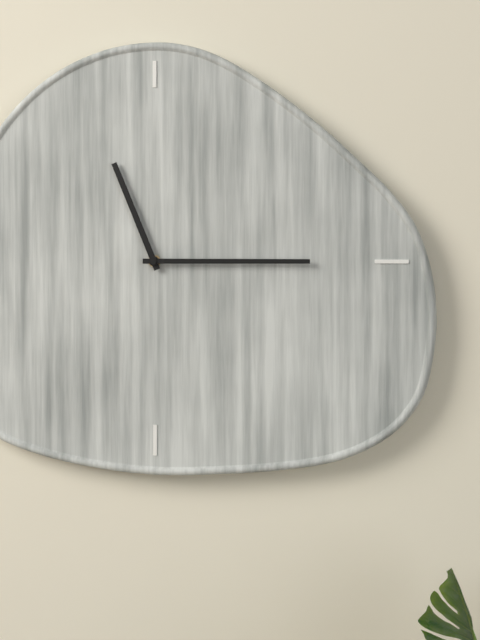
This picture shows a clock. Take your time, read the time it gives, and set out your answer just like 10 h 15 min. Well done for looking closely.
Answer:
11 h 15 min
